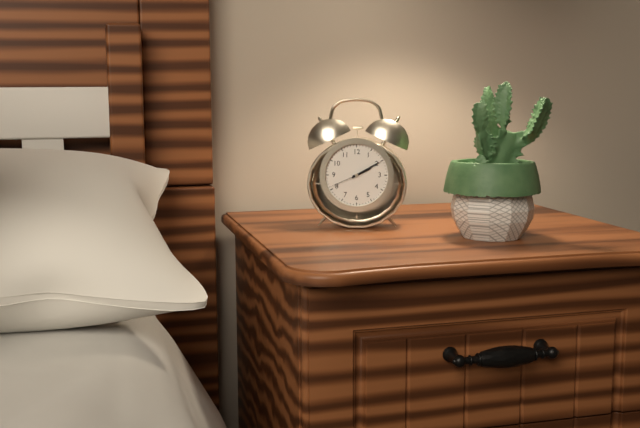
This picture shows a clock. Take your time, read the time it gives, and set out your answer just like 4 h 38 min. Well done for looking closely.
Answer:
2 h 10 min
